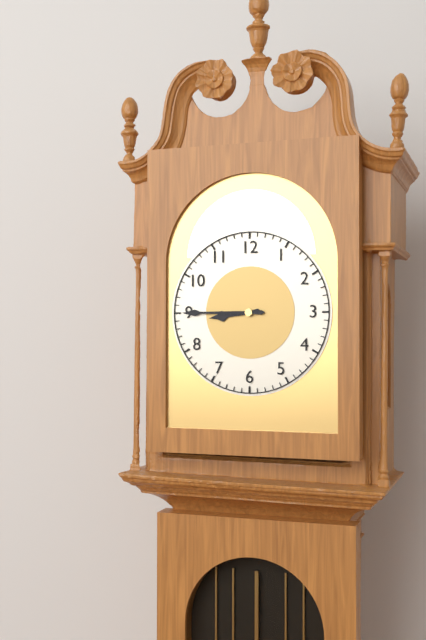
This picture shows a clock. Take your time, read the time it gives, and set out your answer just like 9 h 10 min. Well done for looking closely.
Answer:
8 h 45 min
